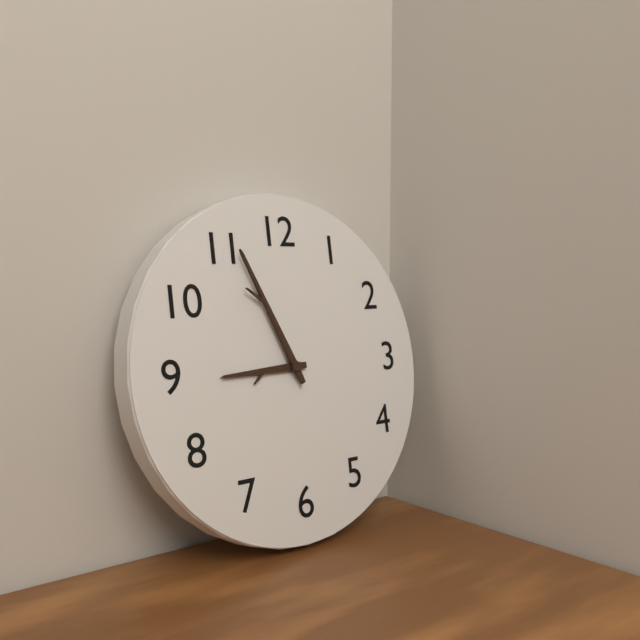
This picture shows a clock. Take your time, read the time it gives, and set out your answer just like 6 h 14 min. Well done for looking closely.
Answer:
8 h 56 min
